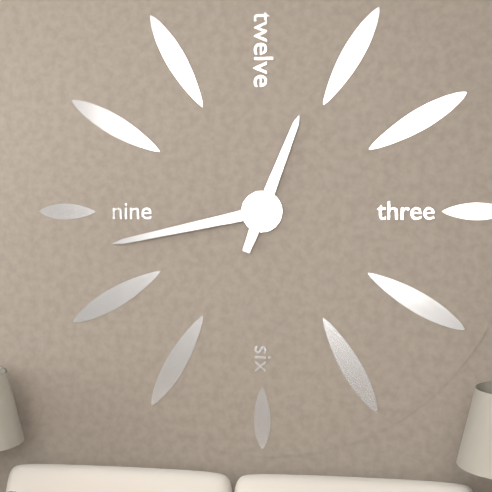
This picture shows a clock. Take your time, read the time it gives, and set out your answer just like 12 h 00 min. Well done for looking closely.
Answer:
12 h 43 min
